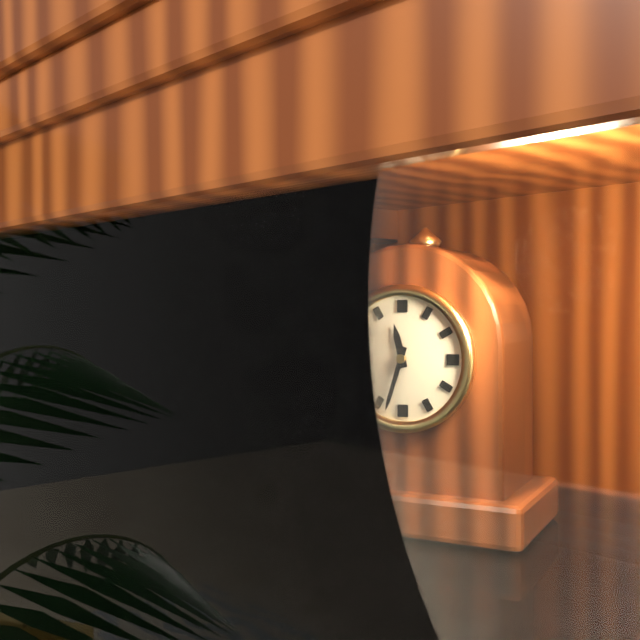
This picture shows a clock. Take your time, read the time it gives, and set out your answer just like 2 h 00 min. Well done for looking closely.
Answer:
11 h 33 min
